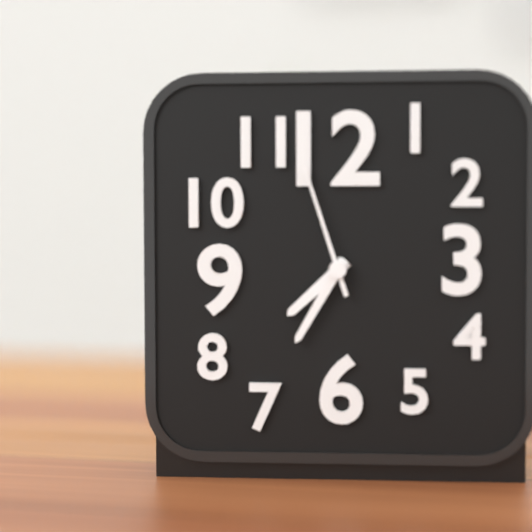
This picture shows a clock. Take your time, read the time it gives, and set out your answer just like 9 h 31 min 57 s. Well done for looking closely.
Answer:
7 h 35 min 57 s
